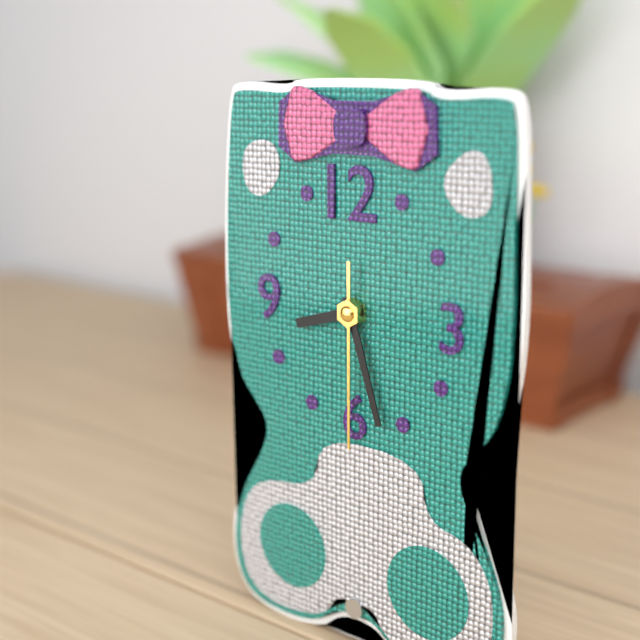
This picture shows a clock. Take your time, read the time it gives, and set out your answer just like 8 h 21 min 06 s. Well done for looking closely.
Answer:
8 h 27 min 30 s
